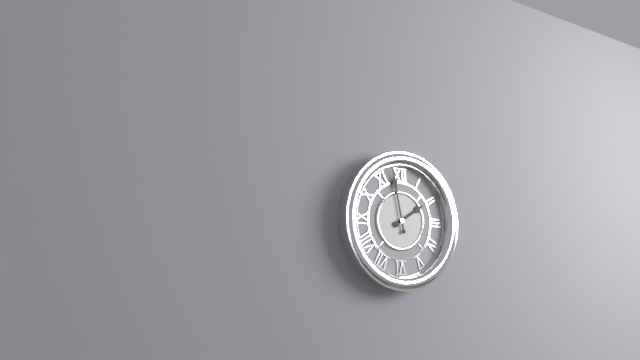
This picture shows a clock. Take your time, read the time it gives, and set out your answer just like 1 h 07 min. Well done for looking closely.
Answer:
1 h 58 min
